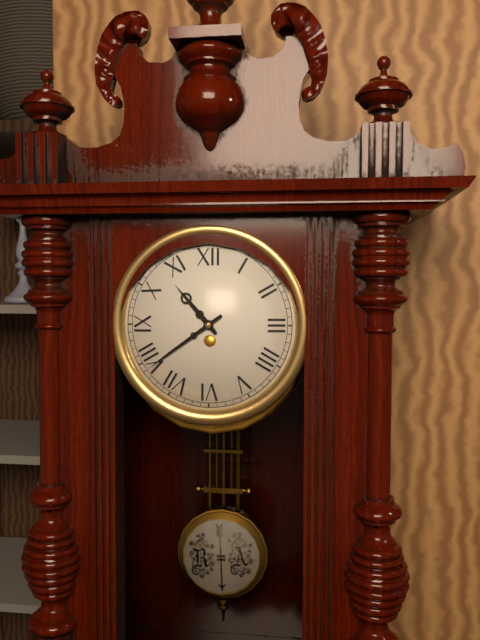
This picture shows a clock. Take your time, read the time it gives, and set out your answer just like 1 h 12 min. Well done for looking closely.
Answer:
10 h 39 min
